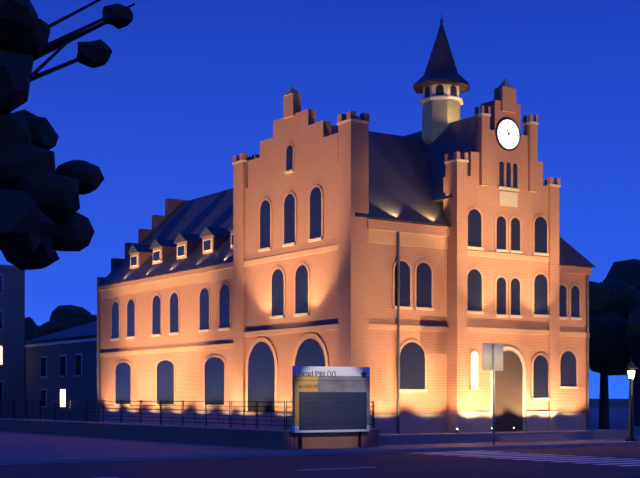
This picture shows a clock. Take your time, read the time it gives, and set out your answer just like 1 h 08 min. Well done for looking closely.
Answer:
11 h 09 min
